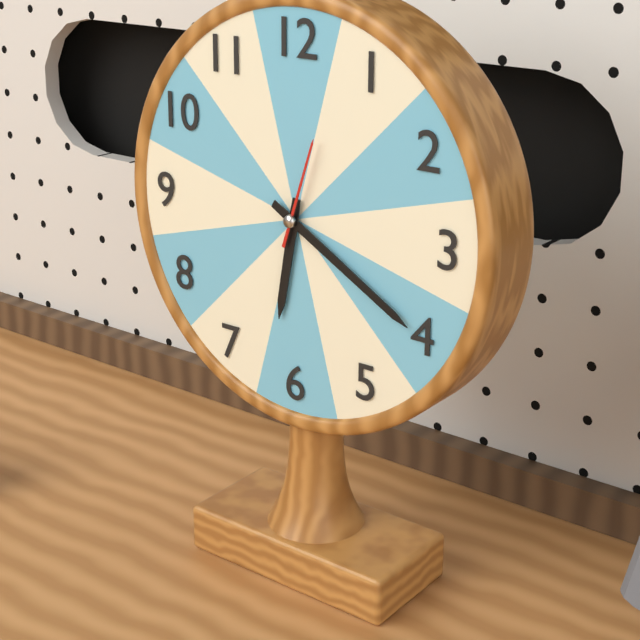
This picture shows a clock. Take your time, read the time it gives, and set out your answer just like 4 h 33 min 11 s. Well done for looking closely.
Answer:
6 h 20 min 03 s
